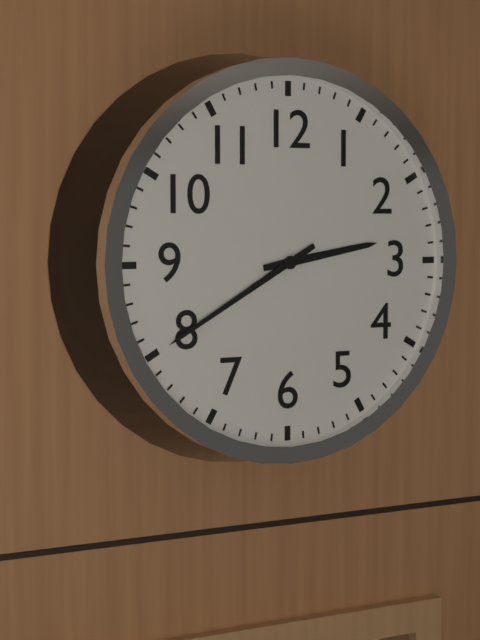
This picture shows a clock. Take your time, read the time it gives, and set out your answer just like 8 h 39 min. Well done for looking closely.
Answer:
2 h 40 min
